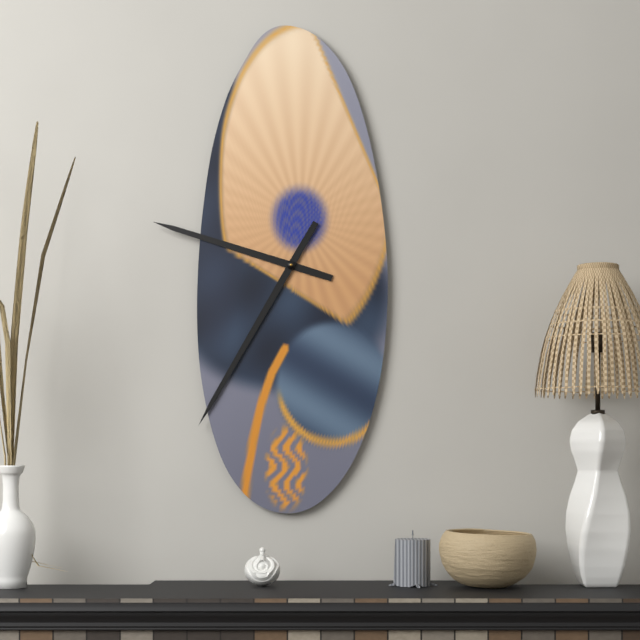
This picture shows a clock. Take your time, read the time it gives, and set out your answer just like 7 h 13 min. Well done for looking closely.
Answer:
9 h 35 min
